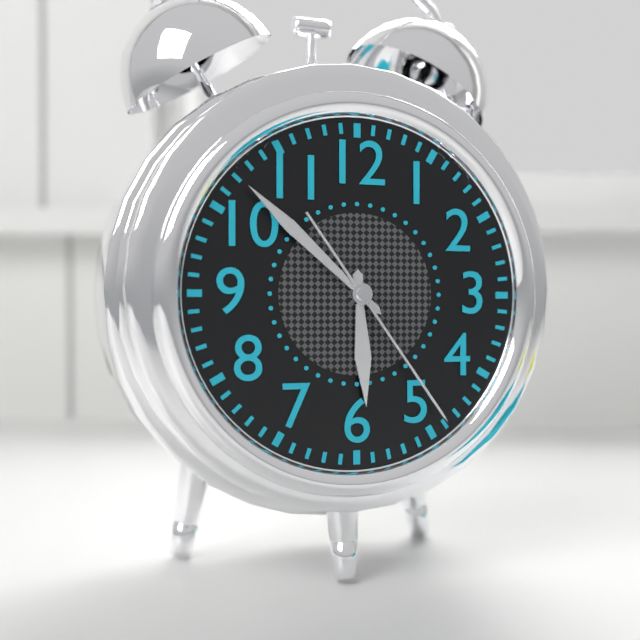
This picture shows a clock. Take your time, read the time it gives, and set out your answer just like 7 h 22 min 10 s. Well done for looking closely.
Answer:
5 h 52 min 24 s
